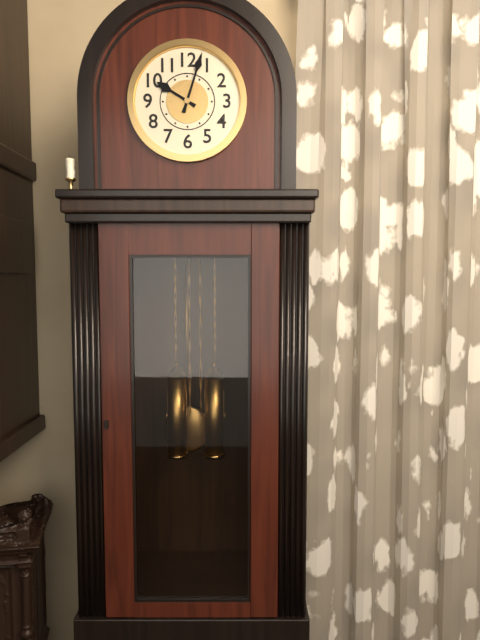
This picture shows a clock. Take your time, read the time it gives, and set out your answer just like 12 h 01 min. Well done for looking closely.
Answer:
10 h 03 min
